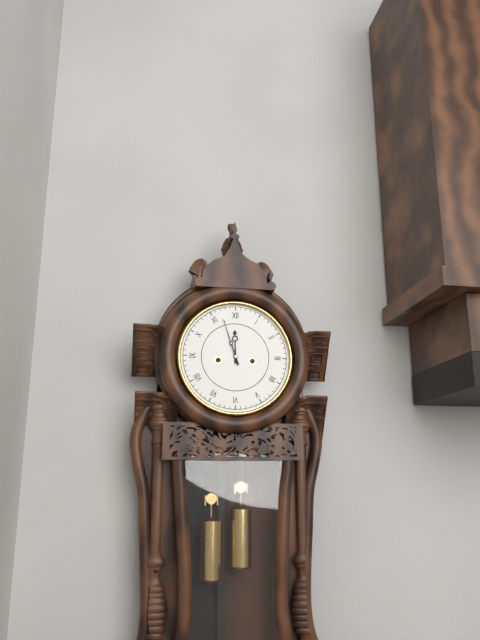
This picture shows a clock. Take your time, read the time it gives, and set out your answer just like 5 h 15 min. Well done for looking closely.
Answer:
11 h 57 min
